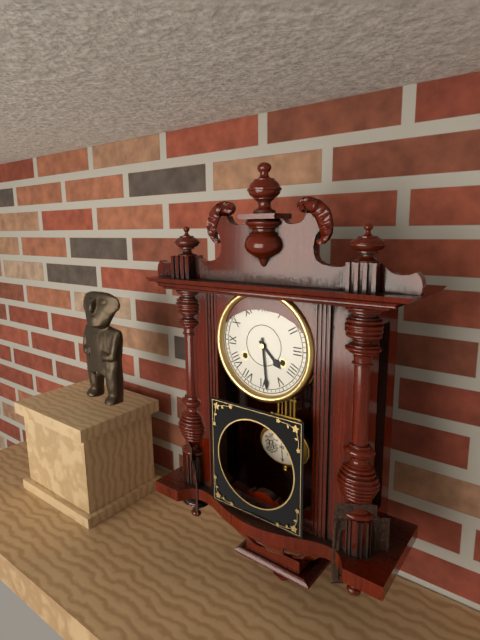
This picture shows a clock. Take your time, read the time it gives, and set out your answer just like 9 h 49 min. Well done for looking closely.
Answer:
4 h 29 min
